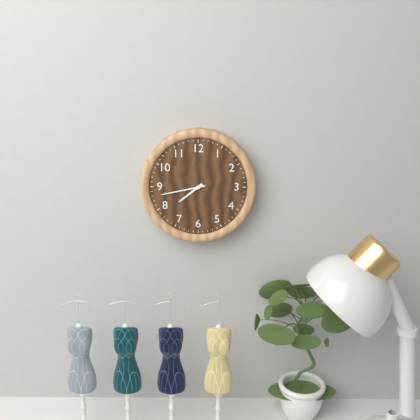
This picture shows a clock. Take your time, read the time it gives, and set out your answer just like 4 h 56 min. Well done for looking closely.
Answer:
7 h 43 min
